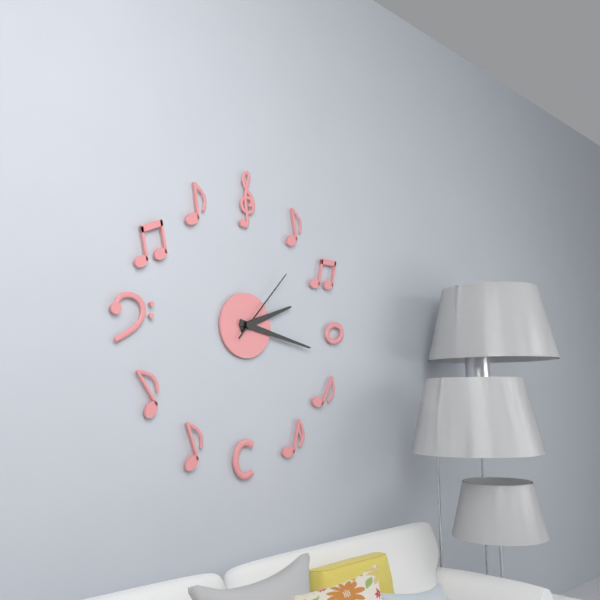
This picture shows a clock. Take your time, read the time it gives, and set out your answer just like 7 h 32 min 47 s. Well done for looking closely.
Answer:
2 h 17 min 07 s
